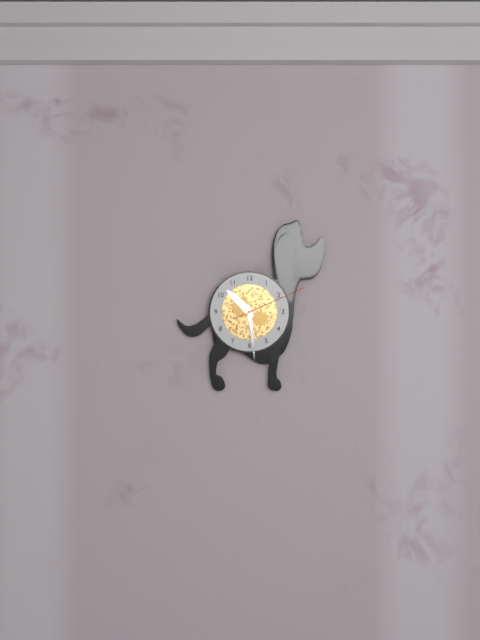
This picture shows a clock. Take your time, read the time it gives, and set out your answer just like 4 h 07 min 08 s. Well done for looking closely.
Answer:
10 h 29 min 11 s
